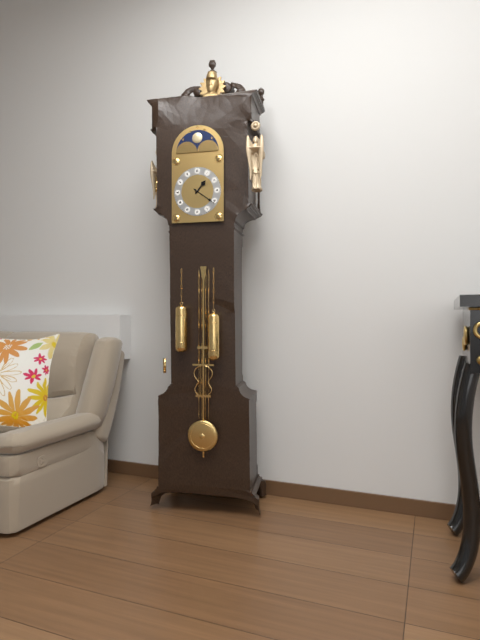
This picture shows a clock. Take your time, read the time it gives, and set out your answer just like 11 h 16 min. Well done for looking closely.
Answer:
1 h 21 min
